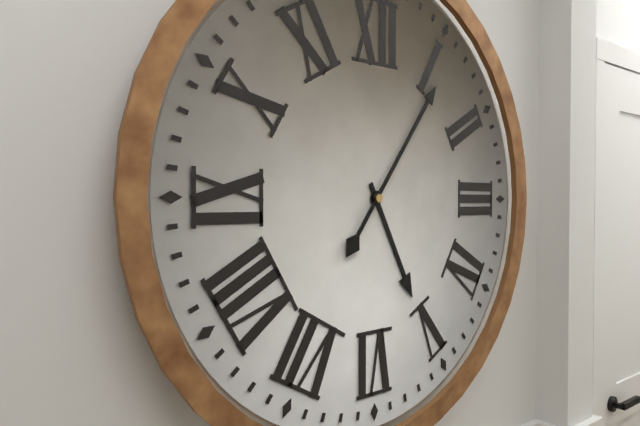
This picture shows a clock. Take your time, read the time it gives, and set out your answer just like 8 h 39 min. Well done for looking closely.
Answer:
5 h 06 min
